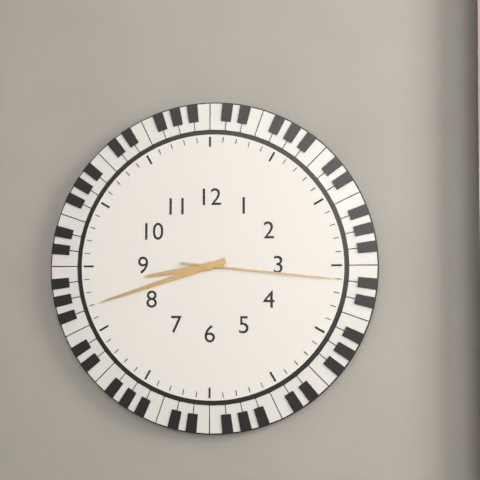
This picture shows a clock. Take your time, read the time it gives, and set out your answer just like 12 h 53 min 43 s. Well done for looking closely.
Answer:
8 h 42 min 16 s
